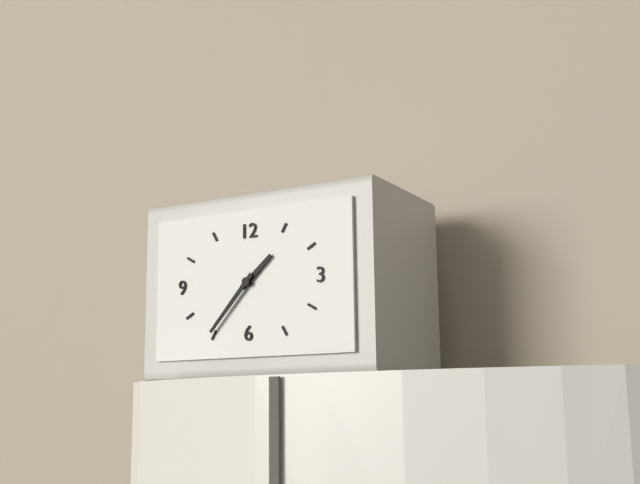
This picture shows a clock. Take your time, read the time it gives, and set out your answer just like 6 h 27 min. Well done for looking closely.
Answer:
1 h 37 min
